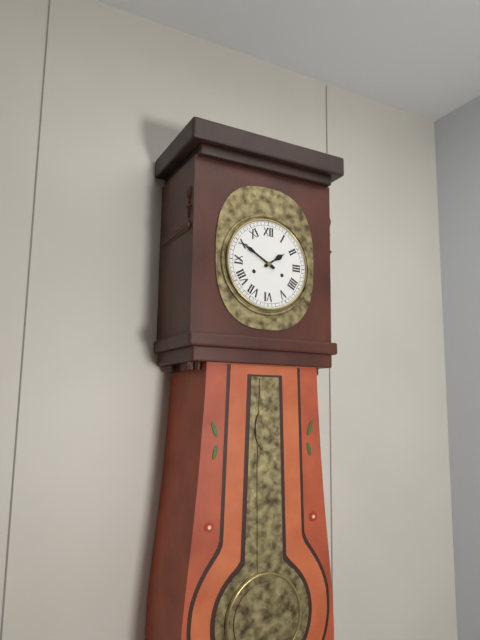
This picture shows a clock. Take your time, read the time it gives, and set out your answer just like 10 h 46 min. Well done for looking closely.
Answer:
1 h 50 min
